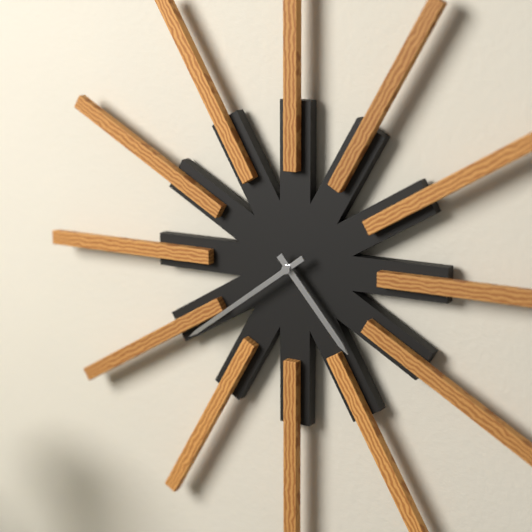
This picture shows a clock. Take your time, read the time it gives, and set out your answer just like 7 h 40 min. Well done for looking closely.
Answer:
4 h 39 min
